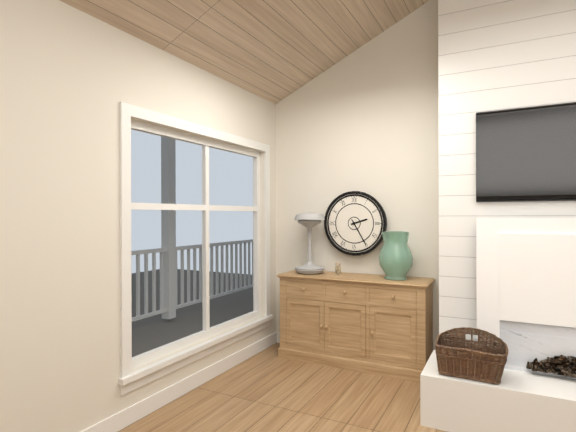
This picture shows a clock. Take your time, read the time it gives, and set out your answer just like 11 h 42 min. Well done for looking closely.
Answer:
2 h 25 min
